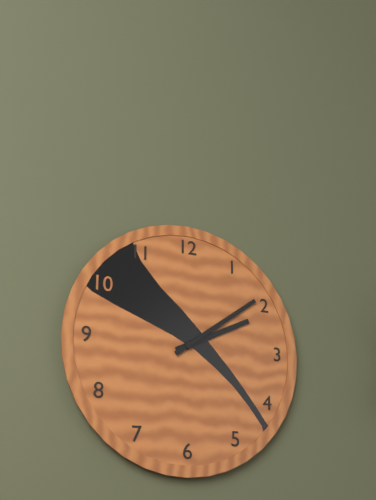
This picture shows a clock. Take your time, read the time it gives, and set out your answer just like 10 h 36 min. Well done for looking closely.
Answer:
2 h 09 min
